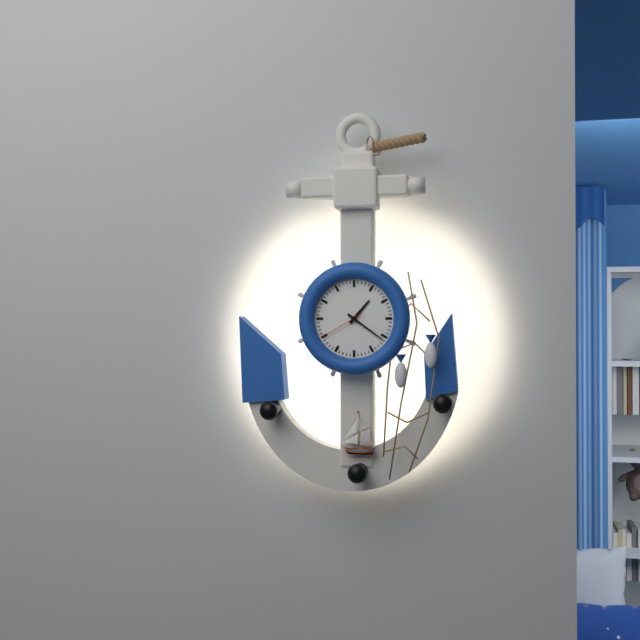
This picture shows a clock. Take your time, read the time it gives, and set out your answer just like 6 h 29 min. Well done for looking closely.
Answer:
1 h 21 min
